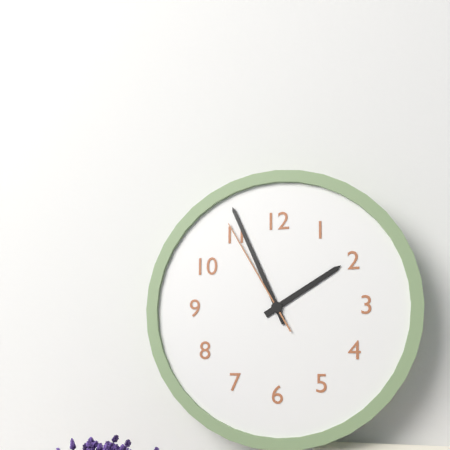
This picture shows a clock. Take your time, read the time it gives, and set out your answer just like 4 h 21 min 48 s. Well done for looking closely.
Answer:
1 h 56 min 55 s
